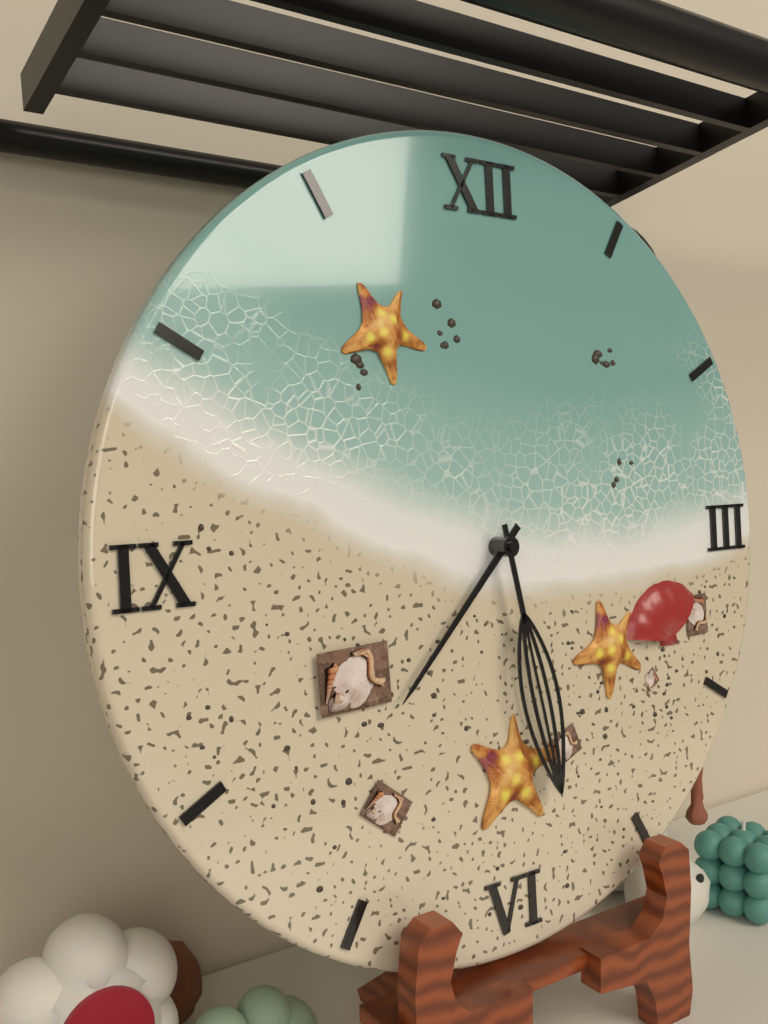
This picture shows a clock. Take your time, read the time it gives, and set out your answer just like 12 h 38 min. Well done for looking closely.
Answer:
7 h 28 min
